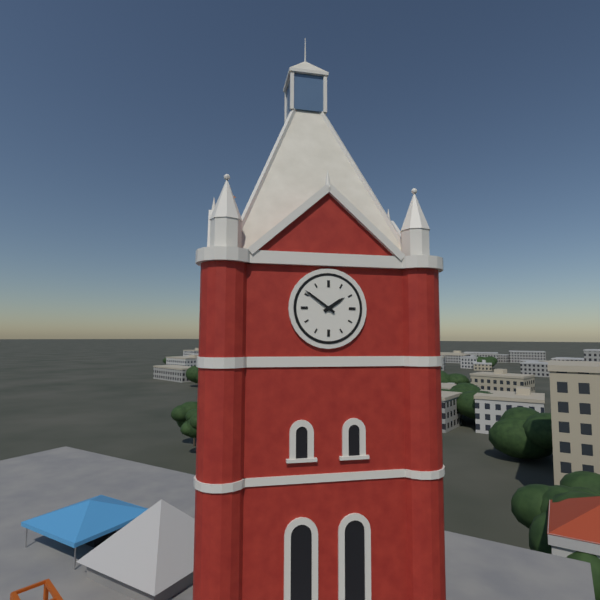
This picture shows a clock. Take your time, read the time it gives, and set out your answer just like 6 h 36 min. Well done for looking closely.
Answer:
1 h 51 min
